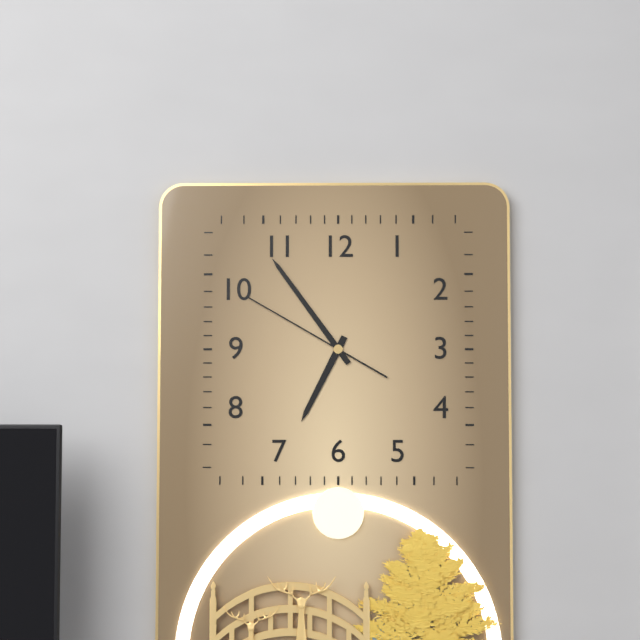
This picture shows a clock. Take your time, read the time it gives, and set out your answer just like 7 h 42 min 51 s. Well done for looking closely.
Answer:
6 h 54 min 50 s
